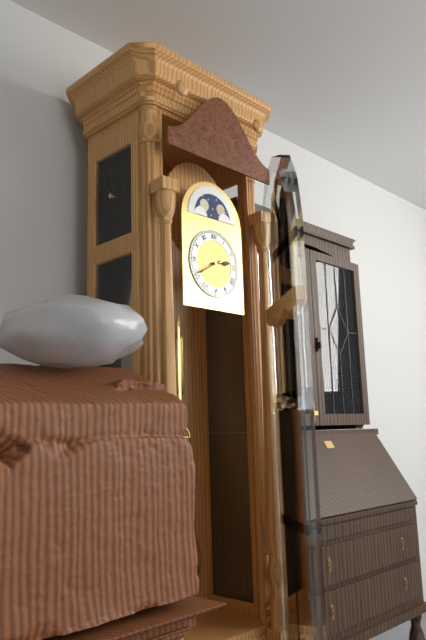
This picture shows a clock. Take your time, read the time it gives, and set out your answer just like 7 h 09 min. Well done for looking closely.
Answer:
2 h 40 min
